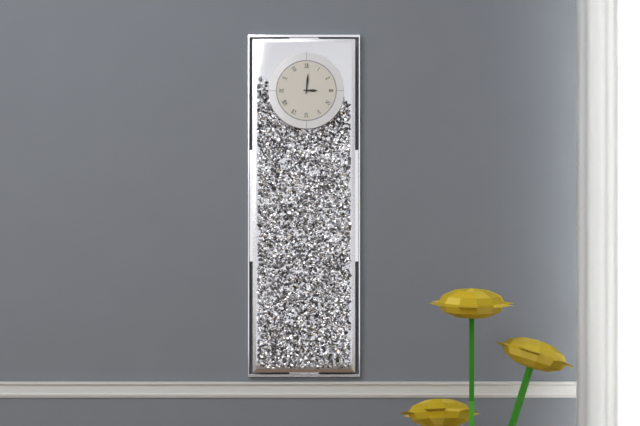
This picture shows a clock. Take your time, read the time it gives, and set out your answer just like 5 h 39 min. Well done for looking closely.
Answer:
3 h 01 min
